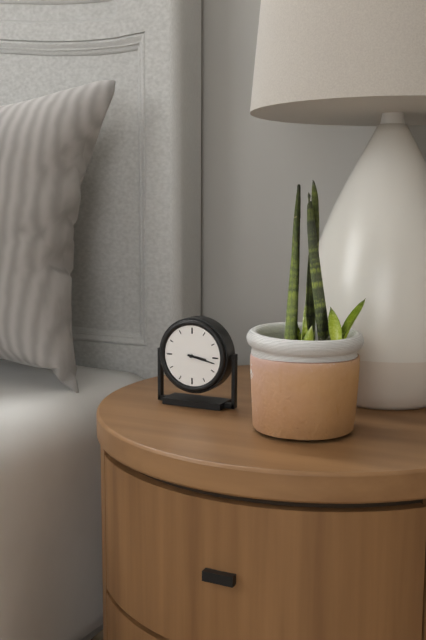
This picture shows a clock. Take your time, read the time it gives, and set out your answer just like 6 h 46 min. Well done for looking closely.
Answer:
3 h 17 min
